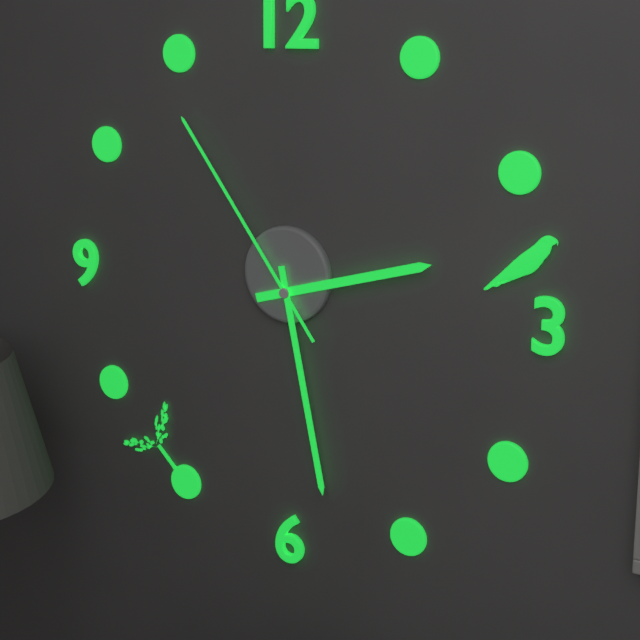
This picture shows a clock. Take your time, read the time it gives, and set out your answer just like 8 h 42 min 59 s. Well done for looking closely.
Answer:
2 h 28 min 54 s
